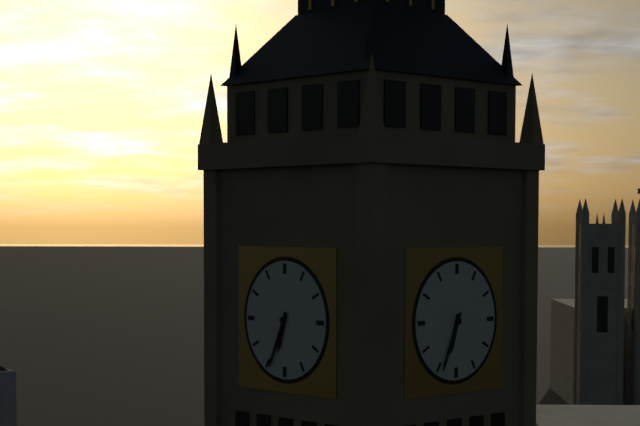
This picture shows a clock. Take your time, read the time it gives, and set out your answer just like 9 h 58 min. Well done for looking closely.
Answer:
6 h 34 min
